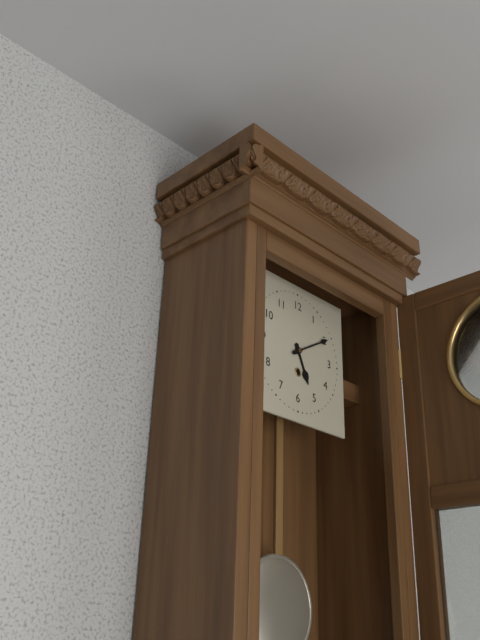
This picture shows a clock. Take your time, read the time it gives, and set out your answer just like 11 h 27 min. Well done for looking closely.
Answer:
5 h 10 min
